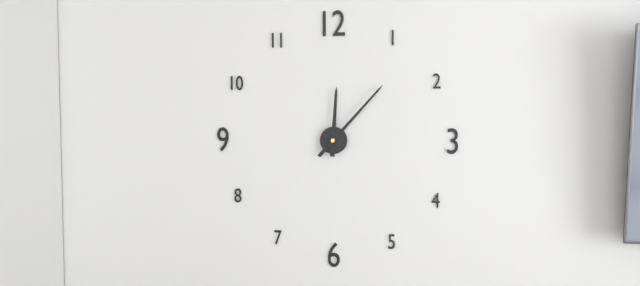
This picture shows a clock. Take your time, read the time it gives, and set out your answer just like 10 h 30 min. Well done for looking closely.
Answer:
12 h 07 min
